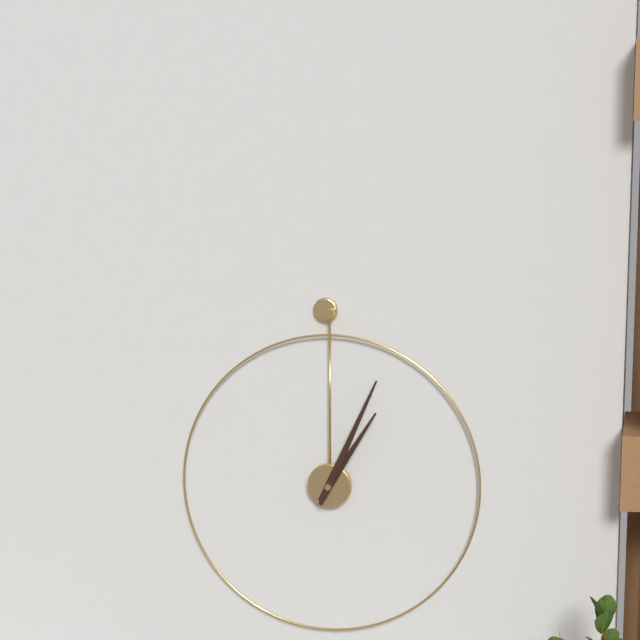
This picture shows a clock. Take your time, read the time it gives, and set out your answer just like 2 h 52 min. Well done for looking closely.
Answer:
1 h 04 min
